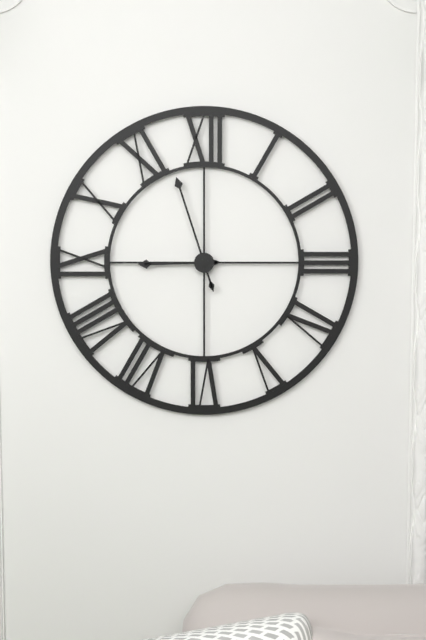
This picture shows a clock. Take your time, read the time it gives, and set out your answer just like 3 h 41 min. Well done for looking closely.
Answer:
8 h 57 min
